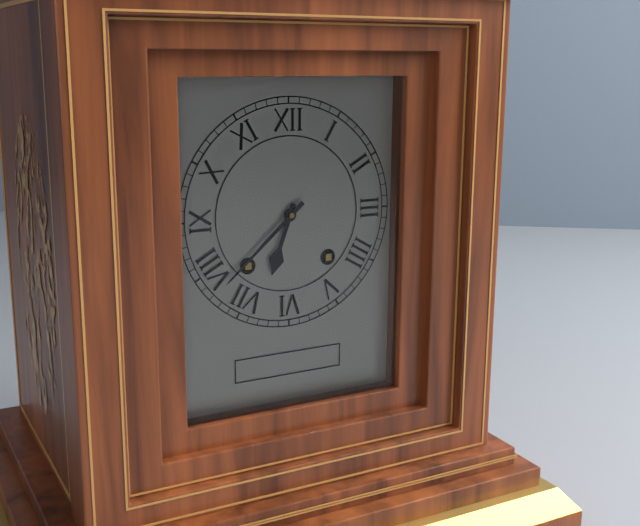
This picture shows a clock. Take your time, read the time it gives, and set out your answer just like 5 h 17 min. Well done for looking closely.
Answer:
6 h 38 min
